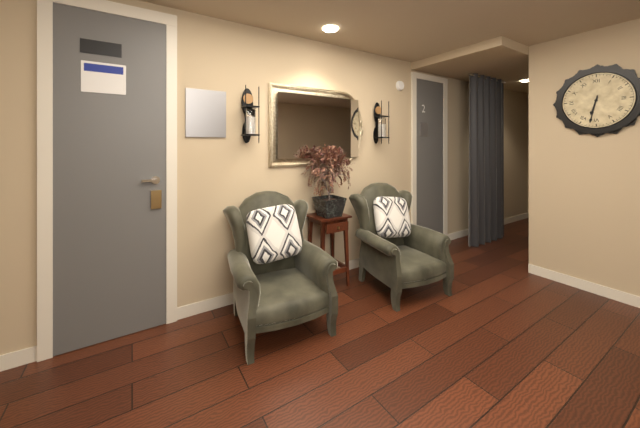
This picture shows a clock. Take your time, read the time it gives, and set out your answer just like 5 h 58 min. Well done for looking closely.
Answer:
6 h 32 min
